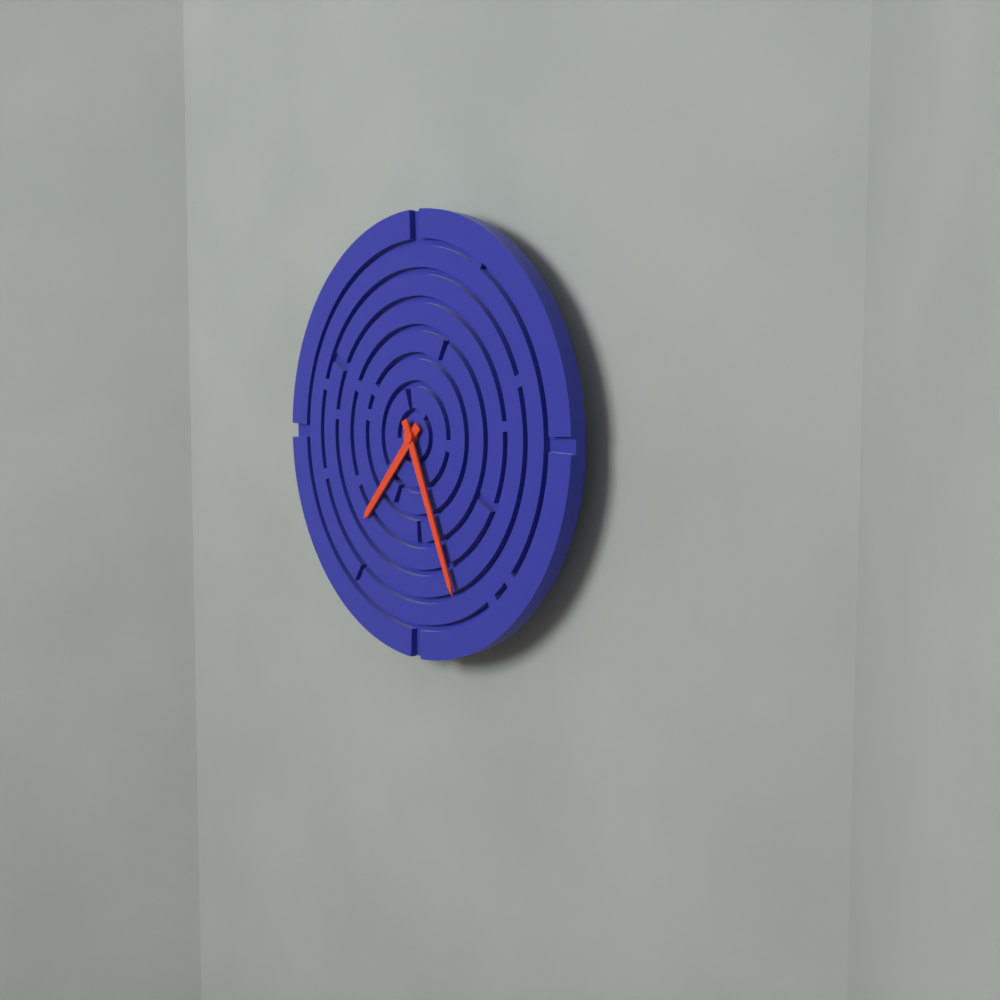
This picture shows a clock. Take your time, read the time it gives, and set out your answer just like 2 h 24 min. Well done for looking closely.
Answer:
7 h 26 min
